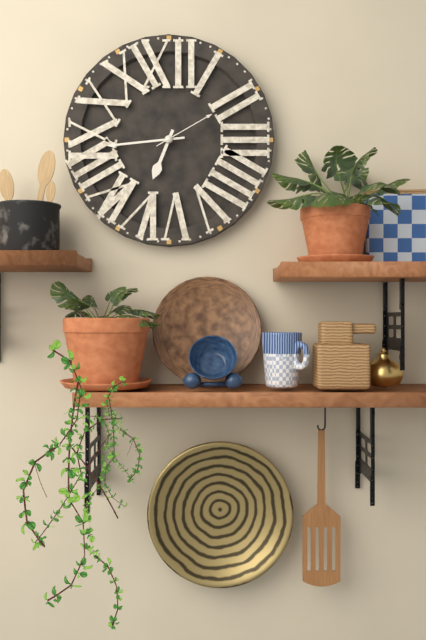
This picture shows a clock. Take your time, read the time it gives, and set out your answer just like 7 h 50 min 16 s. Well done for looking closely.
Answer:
6 h 44 min 10 s
